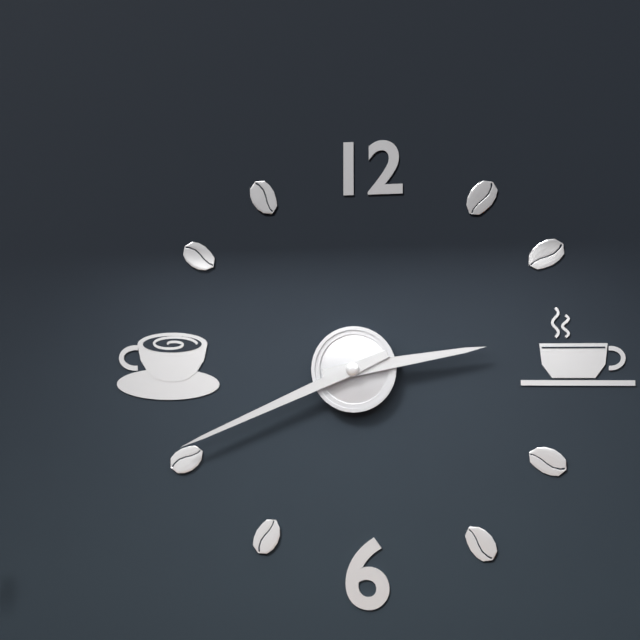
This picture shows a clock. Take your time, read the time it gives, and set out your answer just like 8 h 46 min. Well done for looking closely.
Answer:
2 h 41 min
